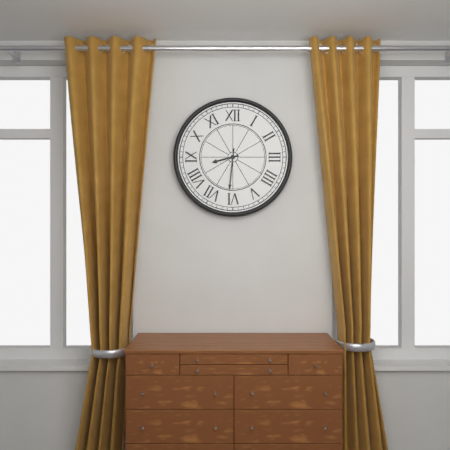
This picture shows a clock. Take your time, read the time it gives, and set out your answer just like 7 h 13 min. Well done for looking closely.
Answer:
8 h 31 min
